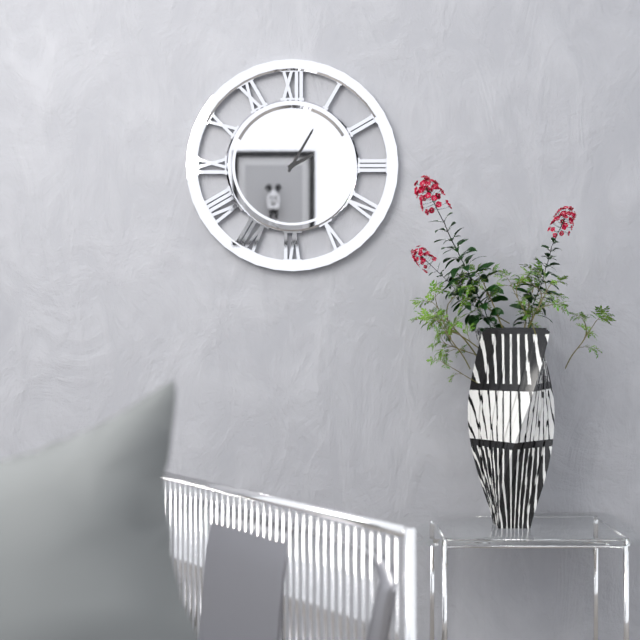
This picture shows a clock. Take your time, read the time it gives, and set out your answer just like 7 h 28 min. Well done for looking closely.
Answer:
2 h 05 min
